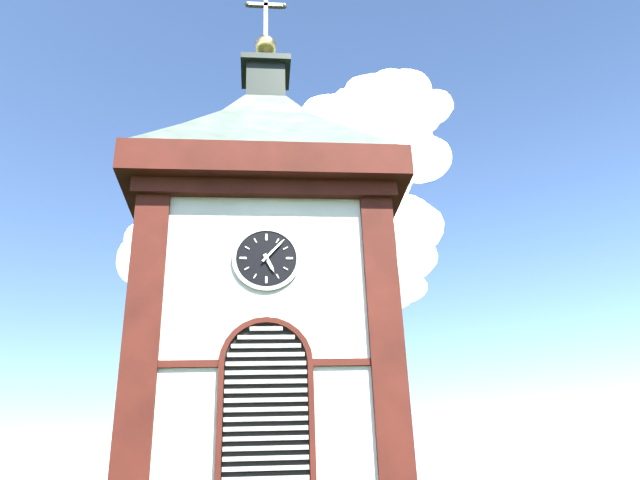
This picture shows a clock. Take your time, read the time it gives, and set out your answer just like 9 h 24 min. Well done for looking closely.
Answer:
5 h 07 min
